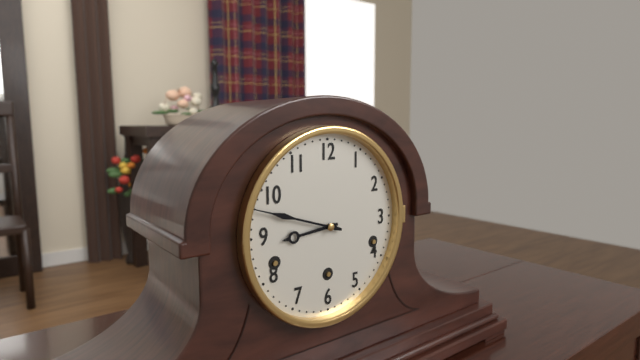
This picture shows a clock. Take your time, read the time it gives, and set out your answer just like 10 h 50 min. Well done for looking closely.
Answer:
8 h 48 min
